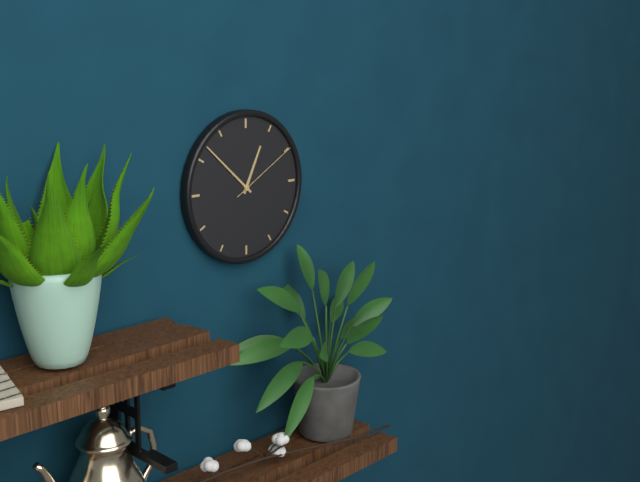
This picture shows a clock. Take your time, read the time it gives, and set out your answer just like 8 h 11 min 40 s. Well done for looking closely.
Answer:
12 h 52 min 10 s
